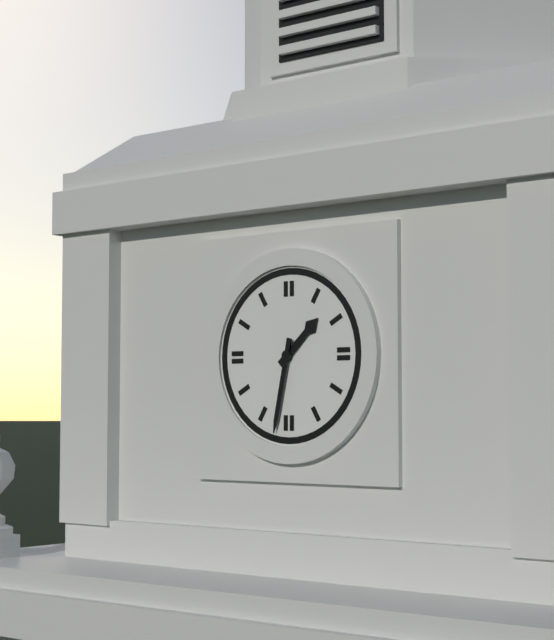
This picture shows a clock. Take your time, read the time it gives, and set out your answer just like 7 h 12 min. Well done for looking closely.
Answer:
1 h 32 min
